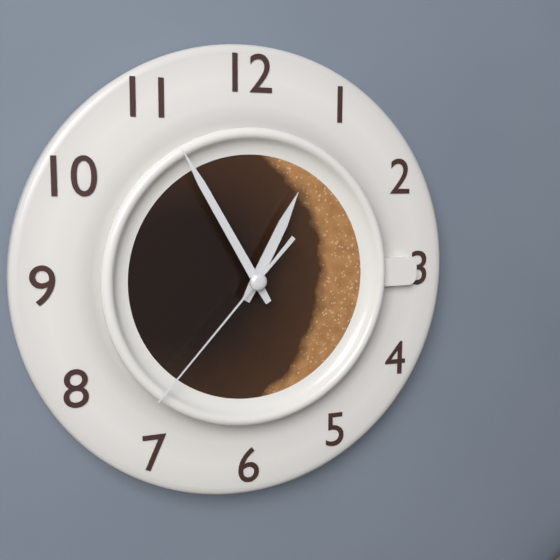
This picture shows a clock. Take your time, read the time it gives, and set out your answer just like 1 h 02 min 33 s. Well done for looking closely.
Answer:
12 h 55 min 37 s
